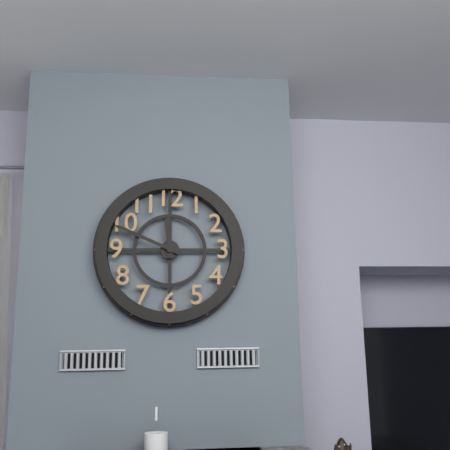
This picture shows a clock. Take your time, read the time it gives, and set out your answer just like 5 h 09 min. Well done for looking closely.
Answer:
11 h 49 min
